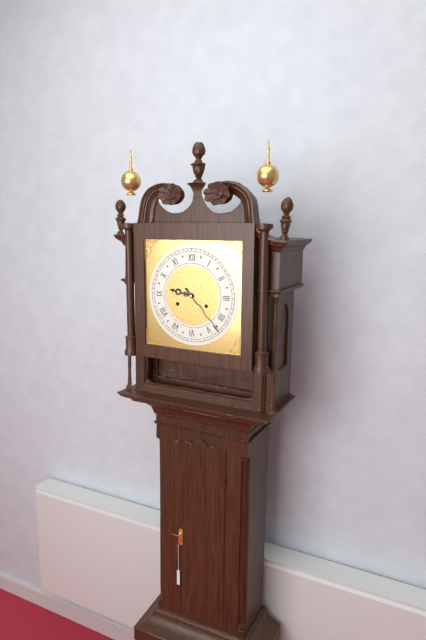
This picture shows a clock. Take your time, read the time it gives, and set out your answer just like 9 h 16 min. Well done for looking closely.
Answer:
9 h 23 min
